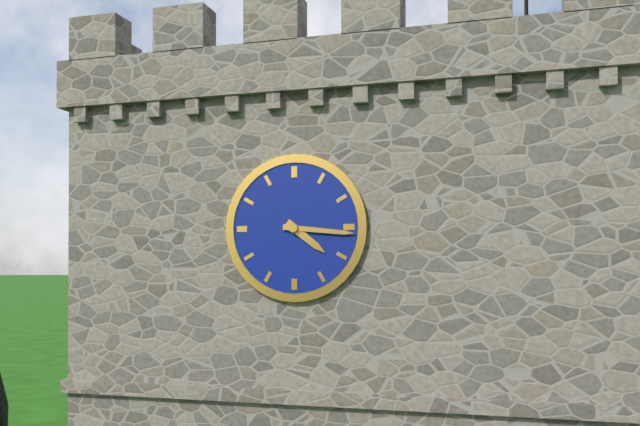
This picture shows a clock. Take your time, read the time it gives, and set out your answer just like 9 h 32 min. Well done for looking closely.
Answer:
4 h 16 min
